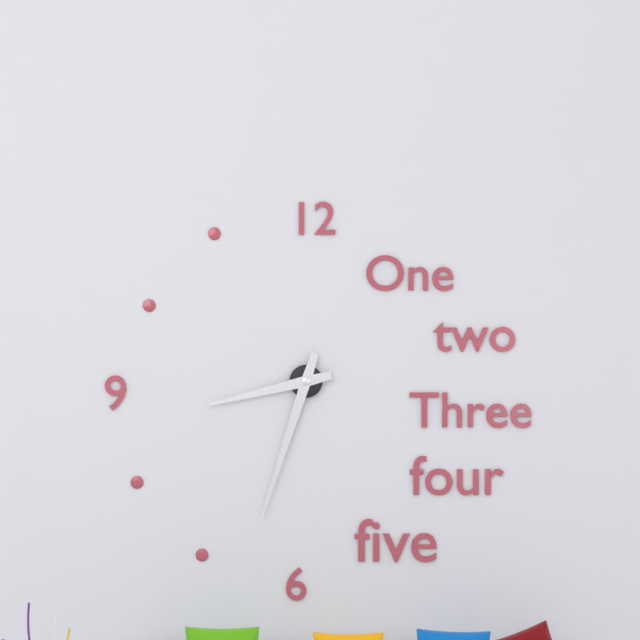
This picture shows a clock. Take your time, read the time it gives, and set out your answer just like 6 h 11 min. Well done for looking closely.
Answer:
8 h 33 min
